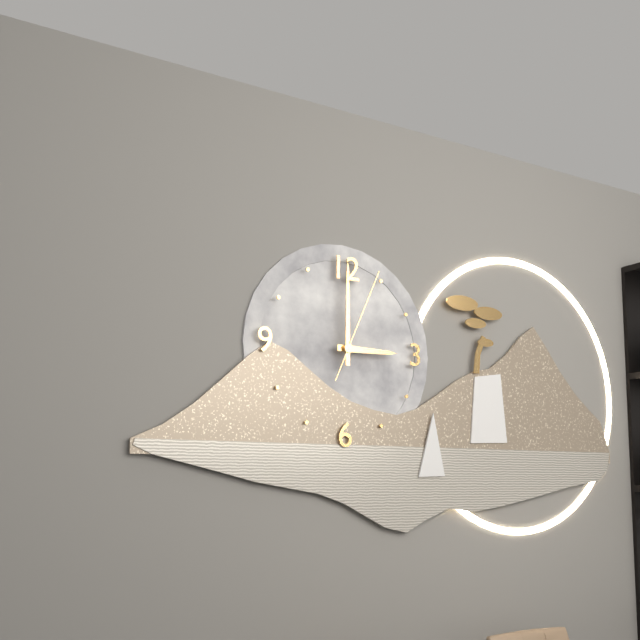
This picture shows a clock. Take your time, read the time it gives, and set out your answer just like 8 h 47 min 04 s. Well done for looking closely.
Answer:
3 h 00 min 04 s
